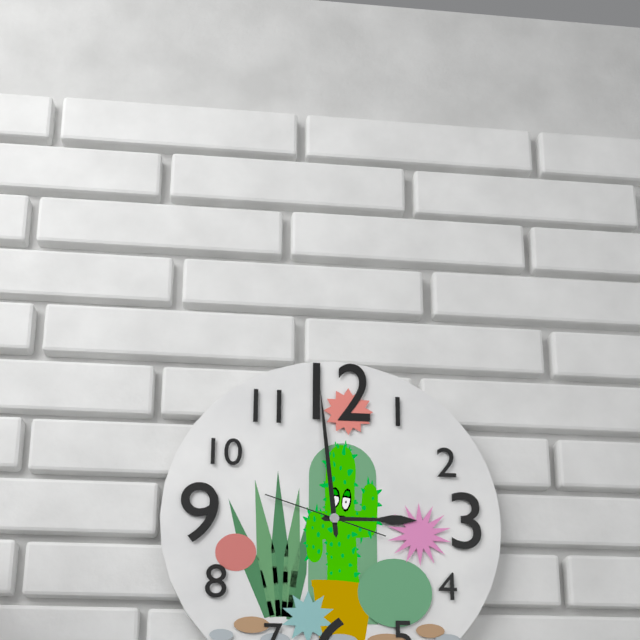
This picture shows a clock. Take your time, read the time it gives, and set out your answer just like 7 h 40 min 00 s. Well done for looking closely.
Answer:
2 h 59 min 48 s
